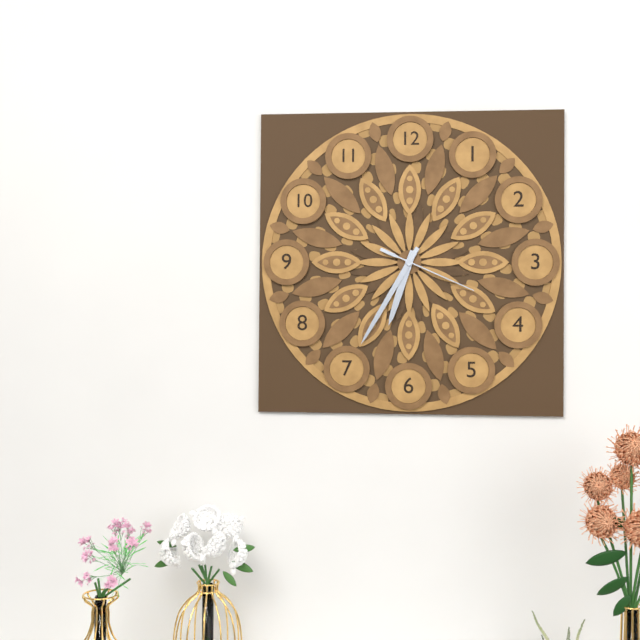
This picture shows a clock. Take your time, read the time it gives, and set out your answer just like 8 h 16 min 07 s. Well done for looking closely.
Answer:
6 h 35 min 19 s
